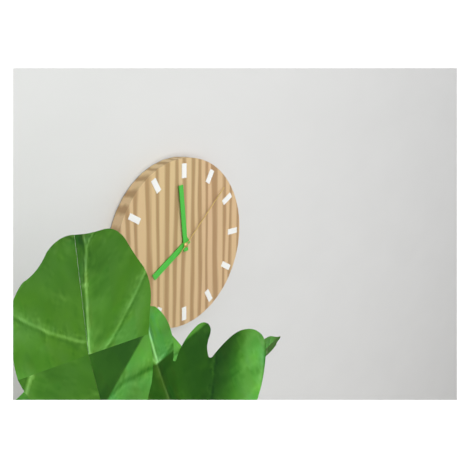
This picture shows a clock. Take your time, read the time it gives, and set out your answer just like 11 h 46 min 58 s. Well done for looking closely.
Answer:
7 h 59 min 08 s
